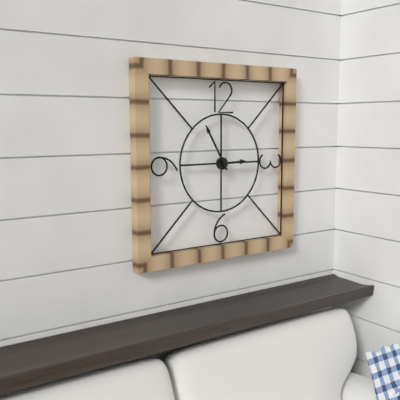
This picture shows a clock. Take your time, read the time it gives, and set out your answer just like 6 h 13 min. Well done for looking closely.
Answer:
2 h 55 min
